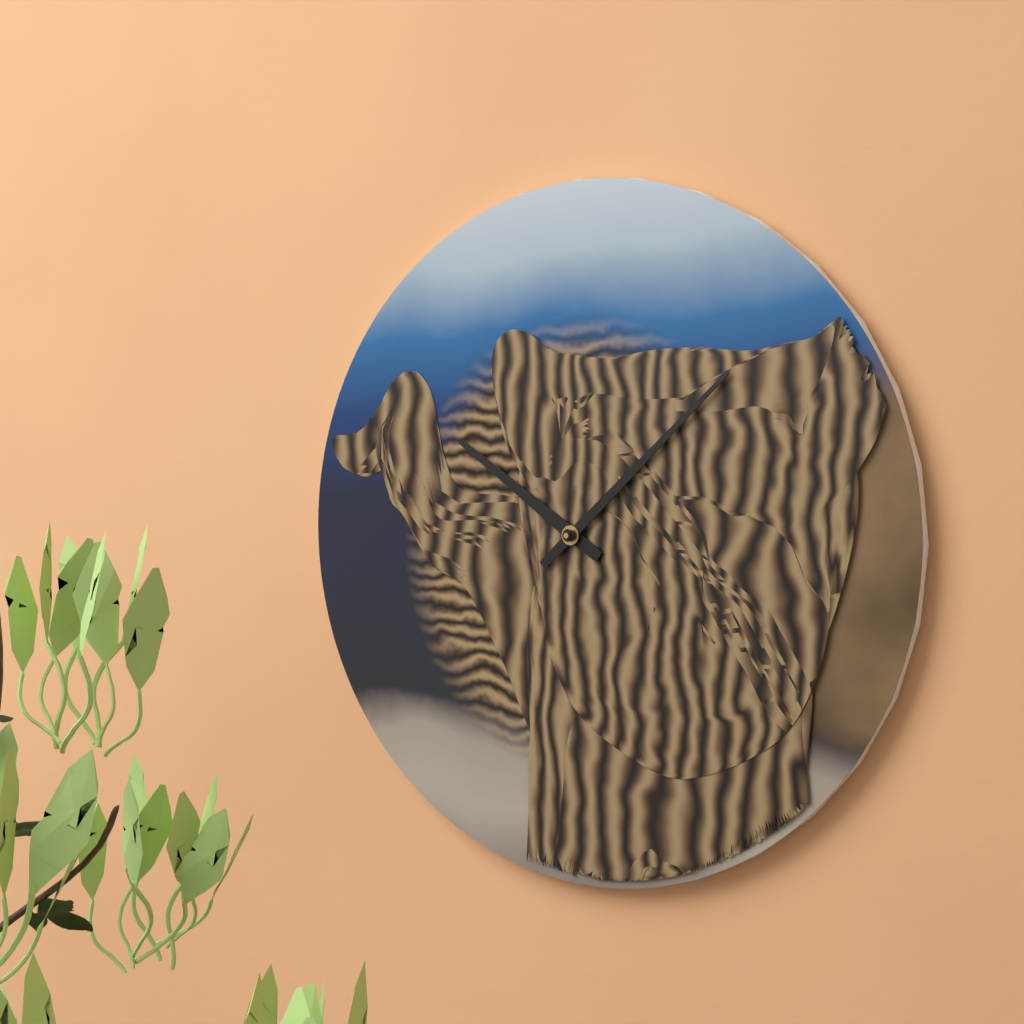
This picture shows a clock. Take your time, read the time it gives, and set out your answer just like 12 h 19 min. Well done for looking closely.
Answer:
10 h 08 min
